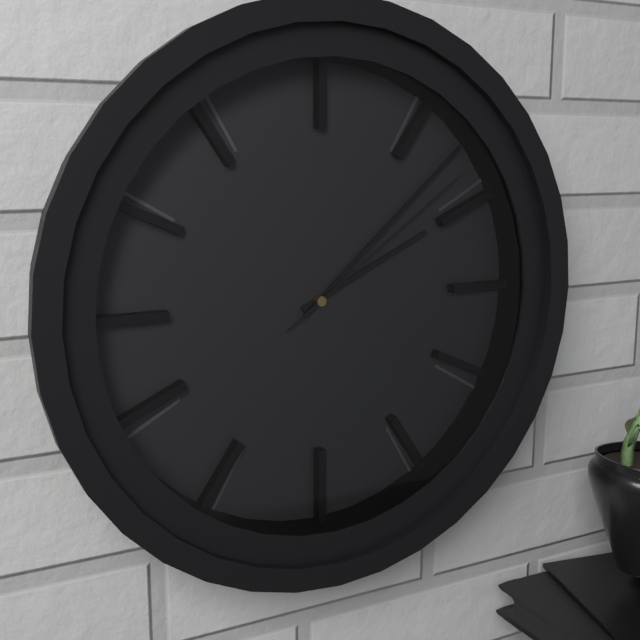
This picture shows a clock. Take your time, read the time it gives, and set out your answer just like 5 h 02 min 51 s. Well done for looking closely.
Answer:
2 h 08 min 09 s
